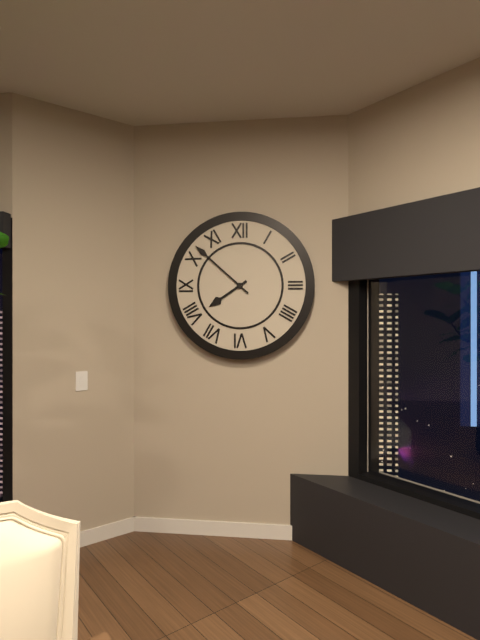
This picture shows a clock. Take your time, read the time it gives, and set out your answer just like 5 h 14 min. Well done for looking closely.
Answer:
7 h 52 min
